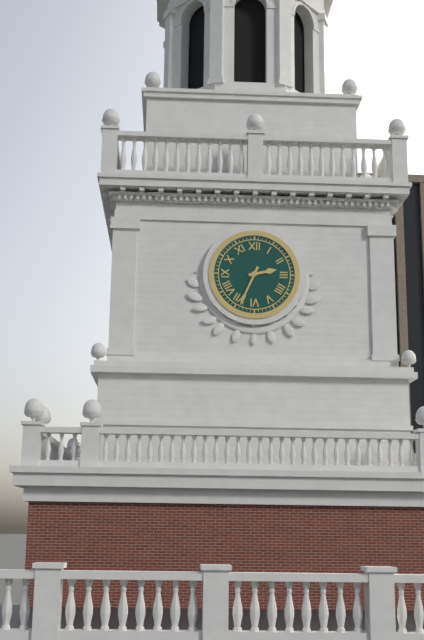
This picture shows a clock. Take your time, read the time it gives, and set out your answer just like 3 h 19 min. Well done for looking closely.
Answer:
2 h 34 min
